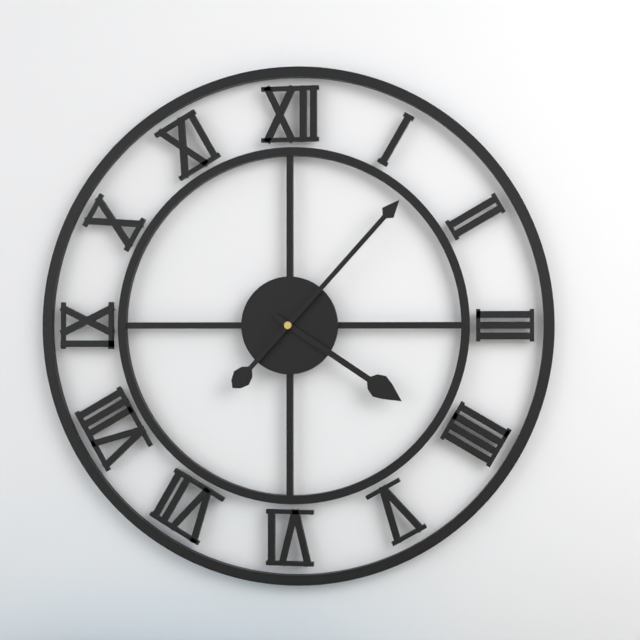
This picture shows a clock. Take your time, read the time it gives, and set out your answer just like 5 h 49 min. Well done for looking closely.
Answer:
4 h 07 min
